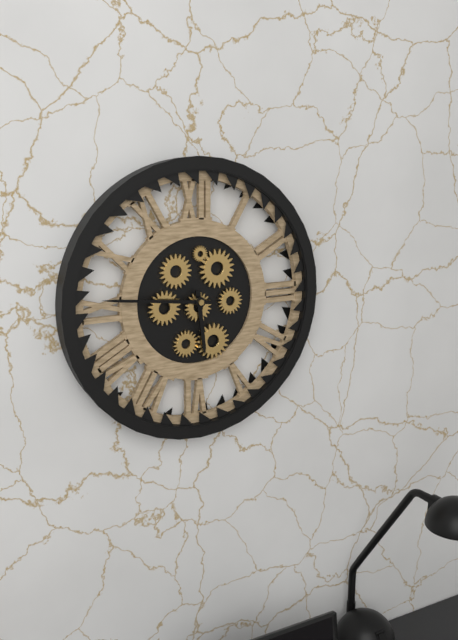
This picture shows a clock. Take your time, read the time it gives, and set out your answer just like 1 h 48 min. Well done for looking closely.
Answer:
5 h 46 min
